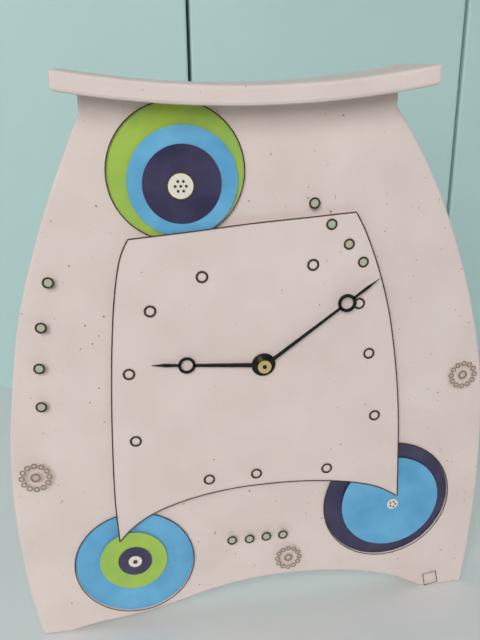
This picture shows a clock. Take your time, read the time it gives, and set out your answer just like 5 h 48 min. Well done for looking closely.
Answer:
9 h 09 min
